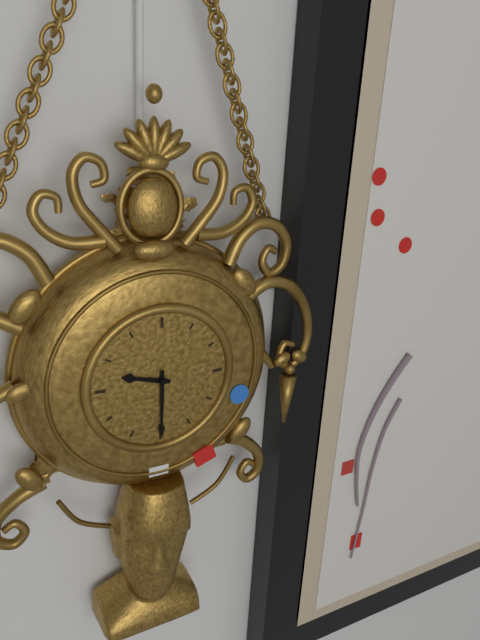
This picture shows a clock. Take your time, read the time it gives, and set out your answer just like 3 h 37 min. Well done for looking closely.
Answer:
9 h 30 min
